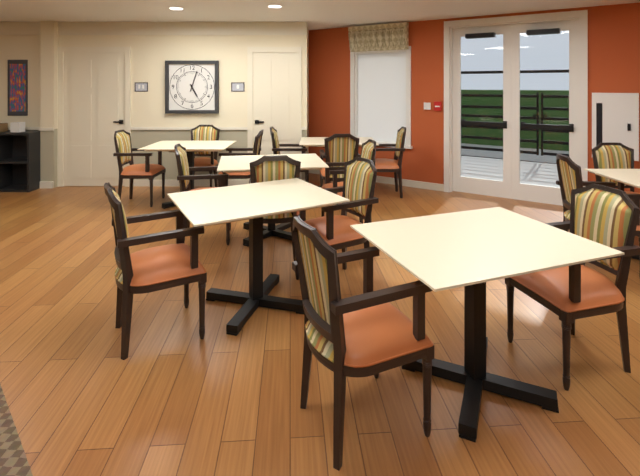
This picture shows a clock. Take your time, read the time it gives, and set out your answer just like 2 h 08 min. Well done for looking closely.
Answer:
5 h 03 min
